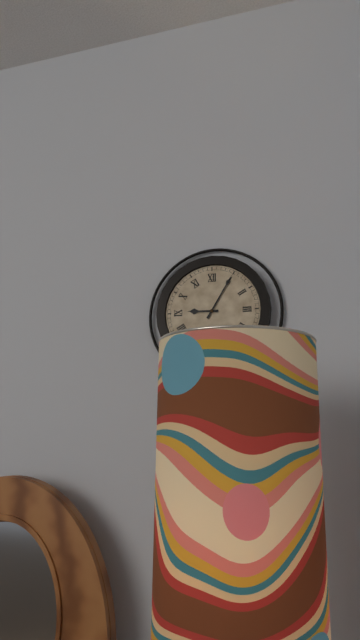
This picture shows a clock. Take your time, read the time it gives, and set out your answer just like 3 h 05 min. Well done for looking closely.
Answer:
9 h 05 min
